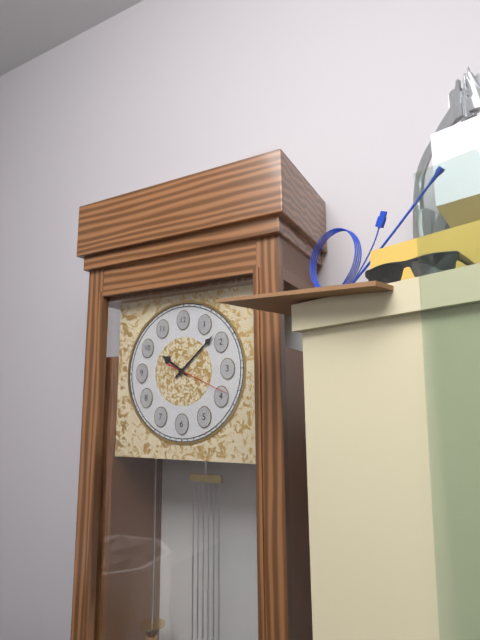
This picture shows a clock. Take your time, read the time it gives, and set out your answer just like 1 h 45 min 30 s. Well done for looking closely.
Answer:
10 h 08 min 19 s
